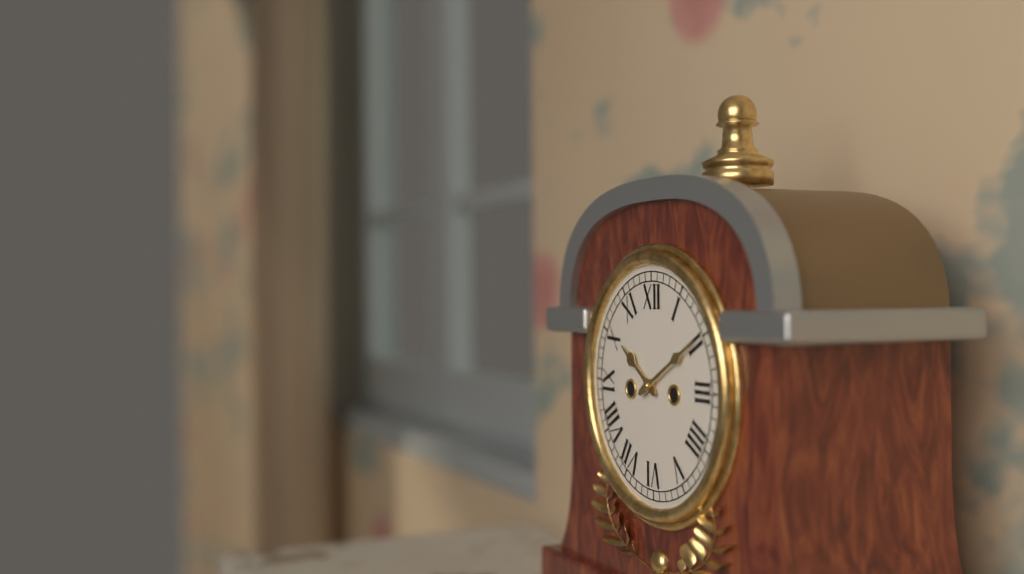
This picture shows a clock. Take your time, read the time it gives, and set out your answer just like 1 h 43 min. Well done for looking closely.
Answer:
10 h 10 min
